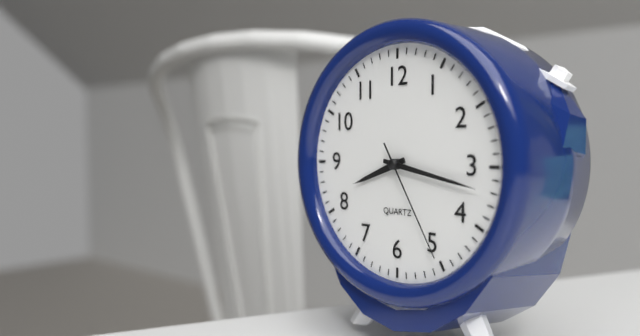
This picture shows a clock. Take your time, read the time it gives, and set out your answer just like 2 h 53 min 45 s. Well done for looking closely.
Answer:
8 h 17 min 25 s
